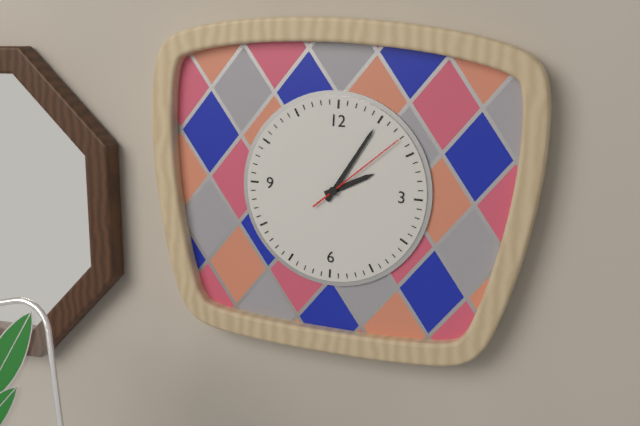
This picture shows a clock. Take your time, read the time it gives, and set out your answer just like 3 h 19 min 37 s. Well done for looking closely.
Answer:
2 h 05 min 08 s
